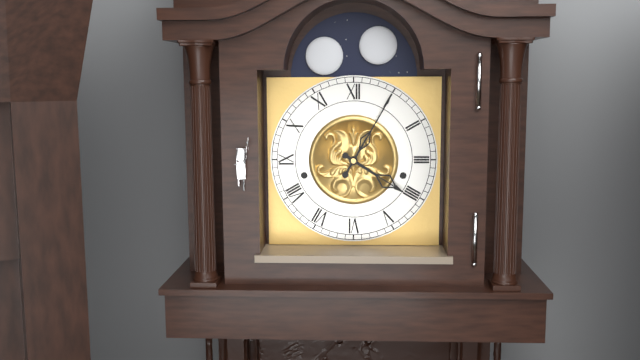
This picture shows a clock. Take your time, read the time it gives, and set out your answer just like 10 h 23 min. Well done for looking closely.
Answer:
4 h 05 min
